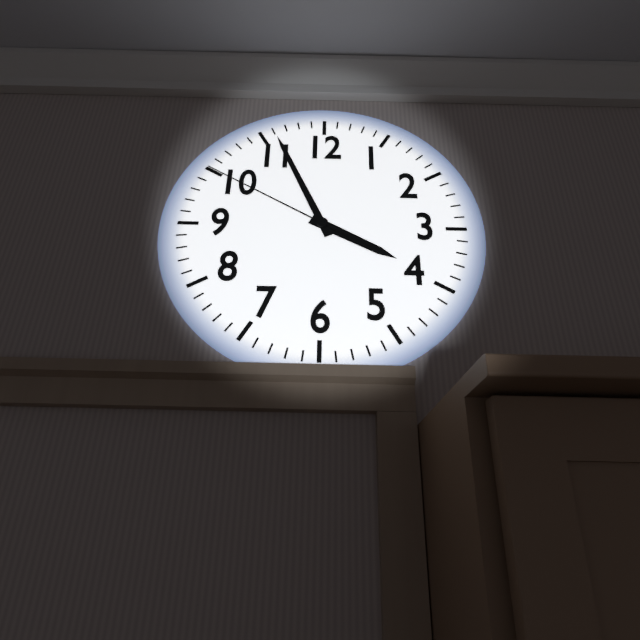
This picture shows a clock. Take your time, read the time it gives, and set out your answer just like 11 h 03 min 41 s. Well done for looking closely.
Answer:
3 h 56 min 50 s
